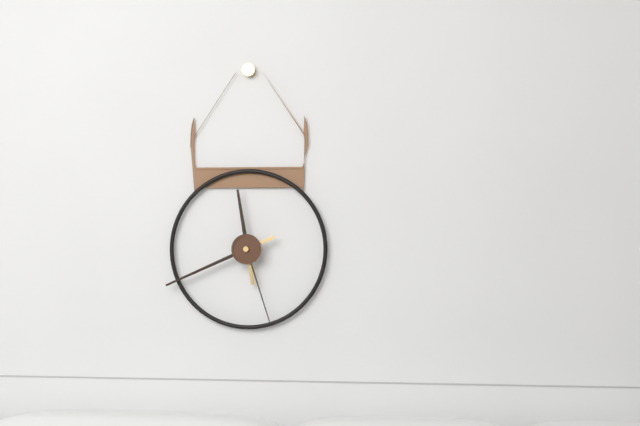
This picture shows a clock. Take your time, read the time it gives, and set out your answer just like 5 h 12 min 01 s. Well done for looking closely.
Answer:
11 h 41 min 27 s
